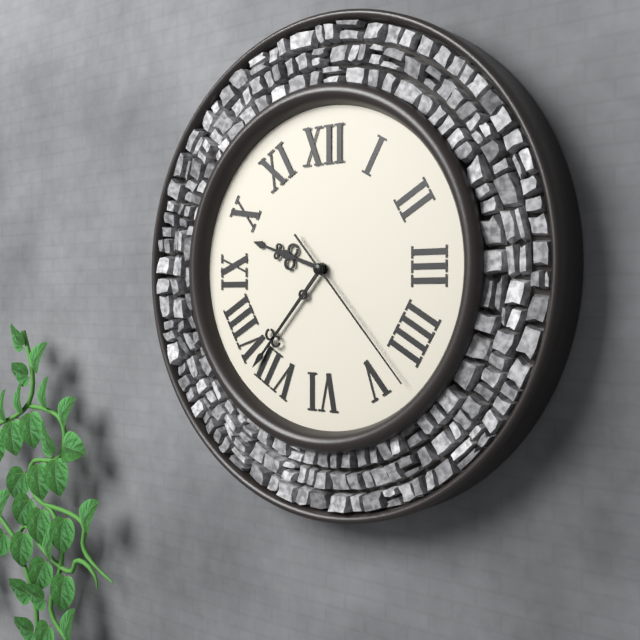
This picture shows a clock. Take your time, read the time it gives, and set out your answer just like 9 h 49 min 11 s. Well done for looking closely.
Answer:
9 h 37 min 23 s
